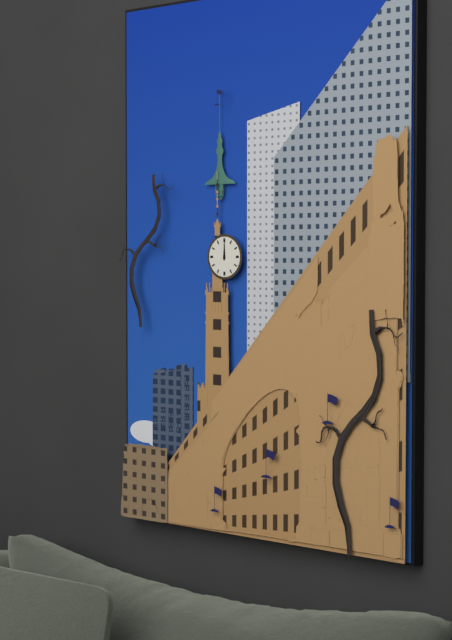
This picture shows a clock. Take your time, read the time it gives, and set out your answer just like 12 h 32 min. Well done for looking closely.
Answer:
12 h 00 min
